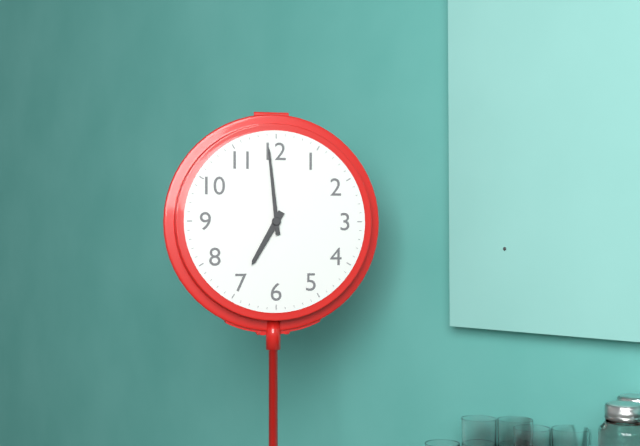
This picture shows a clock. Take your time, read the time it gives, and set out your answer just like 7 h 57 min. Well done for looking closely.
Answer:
6 h 59 min
